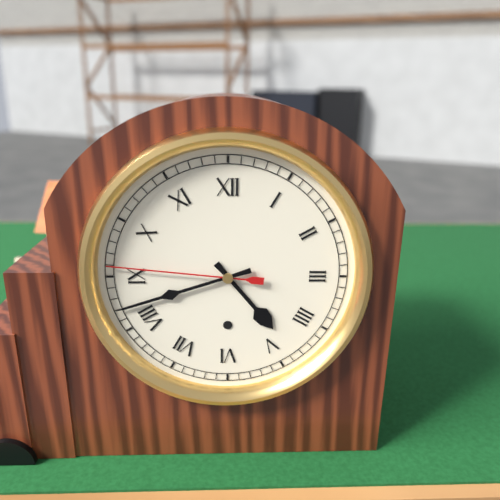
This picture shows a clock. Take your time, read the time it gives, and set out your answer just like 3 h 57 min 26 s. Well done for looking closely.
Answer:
4 h 42 min 46 s
